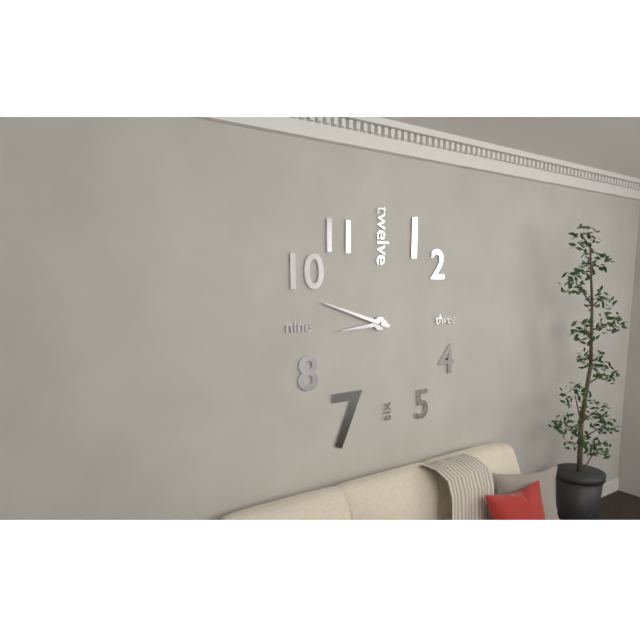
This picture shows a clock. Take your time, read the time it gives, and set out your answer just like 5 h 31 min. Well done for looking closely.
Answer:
8 h 48 min
